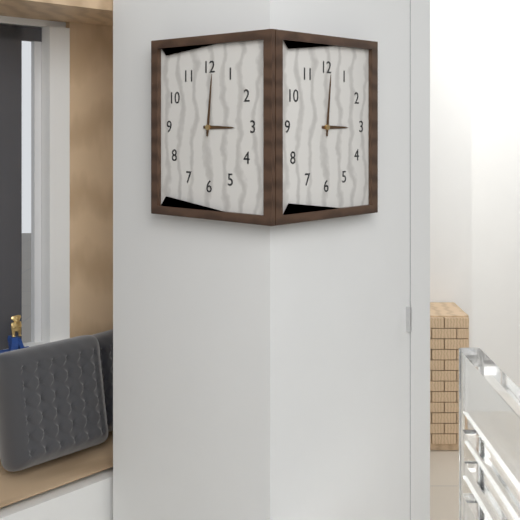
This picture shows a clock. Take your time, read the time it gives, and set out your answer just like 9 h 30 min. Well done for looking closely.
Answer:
3 h 01 min
